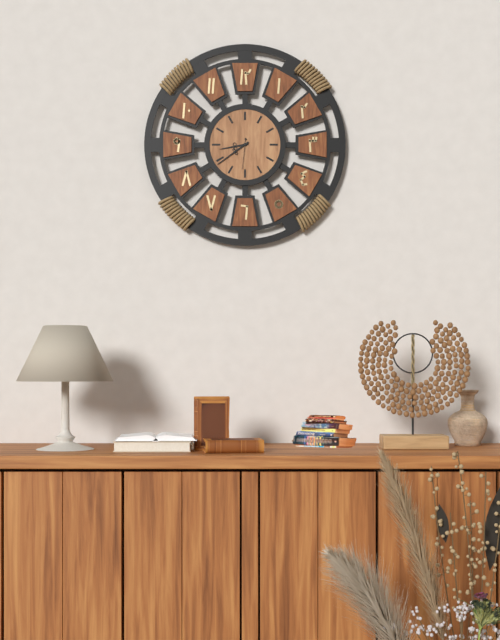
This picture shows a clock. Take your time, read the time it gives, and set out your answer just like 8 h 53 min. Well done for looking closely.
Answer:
8 h 39 min
